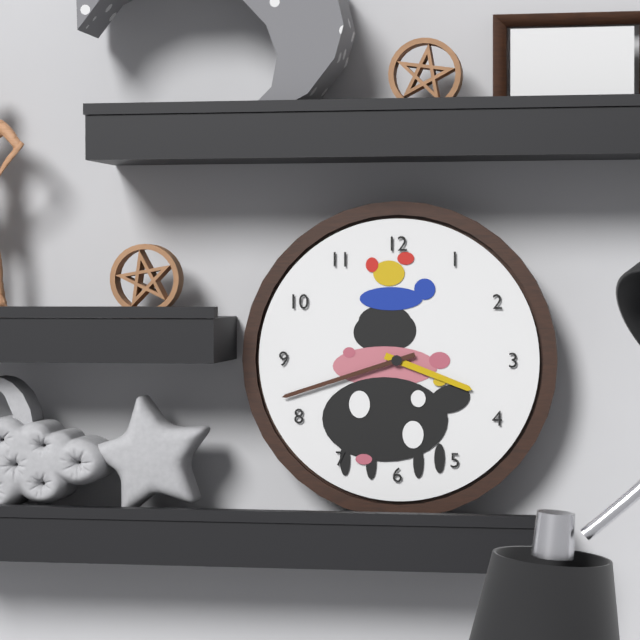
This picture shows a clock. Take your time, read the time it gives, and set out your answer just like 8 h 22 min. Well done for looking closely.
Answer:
3 h 42 min
